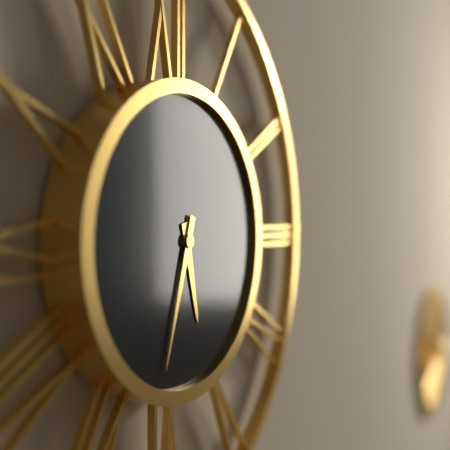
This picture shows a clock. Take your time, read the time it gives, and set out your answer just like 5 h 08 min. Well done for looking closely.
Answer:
5 h 33 min
